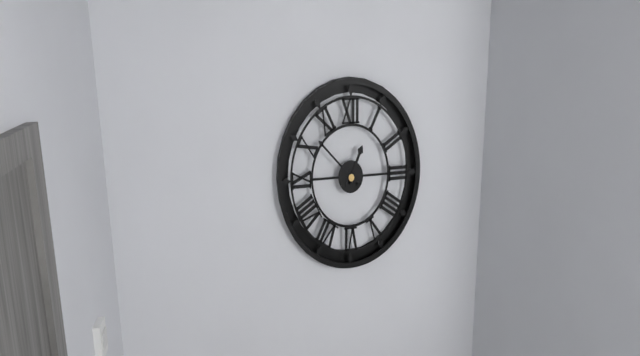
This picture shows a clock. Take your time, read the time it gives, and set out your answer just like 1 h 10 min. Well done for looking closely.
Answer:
12 h 52 min
